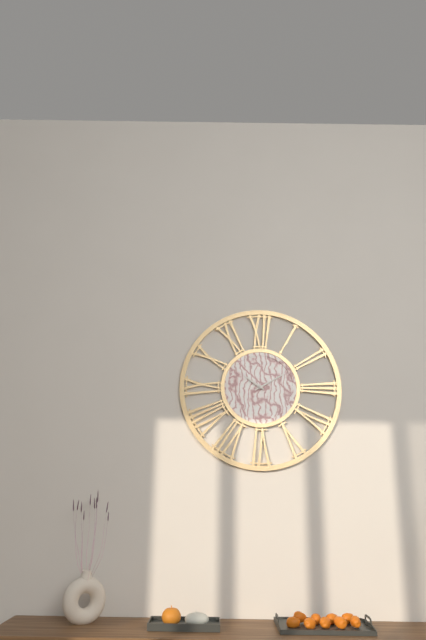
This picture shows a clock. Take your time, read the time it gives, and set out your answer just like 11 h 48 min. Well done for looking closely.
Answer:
10 h 10 min
